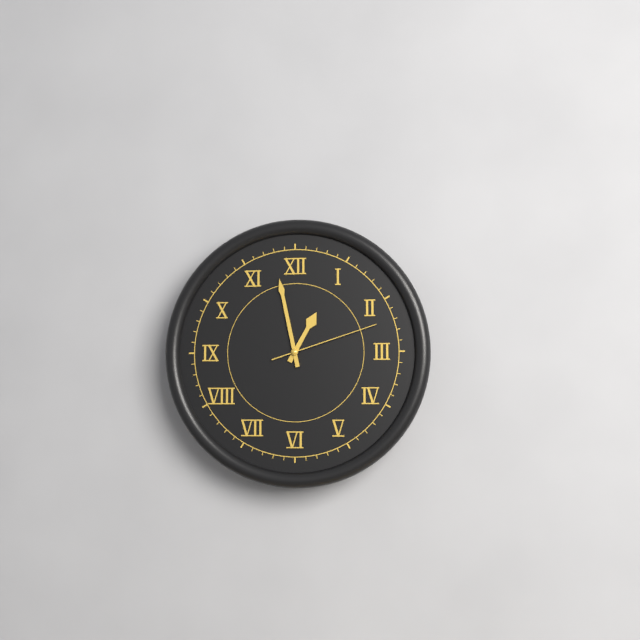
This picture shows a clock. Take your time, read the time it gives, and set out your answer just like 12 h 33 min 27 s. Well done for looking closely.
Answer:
12 h 58 min 12 s
